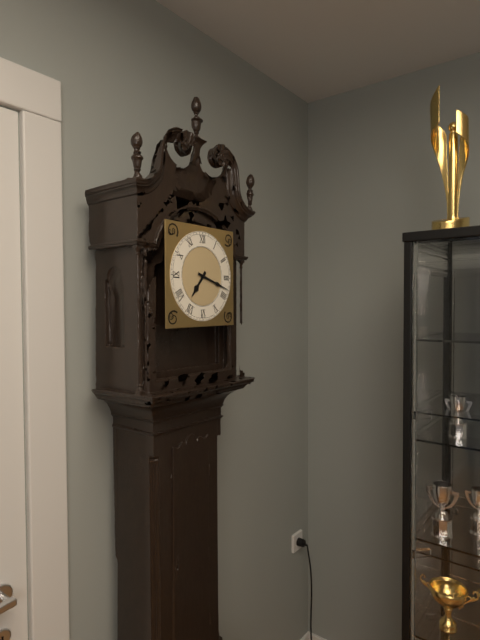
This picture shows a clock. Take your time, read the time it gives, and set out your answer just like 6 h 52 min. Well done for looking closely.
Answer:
7 h 18 min
